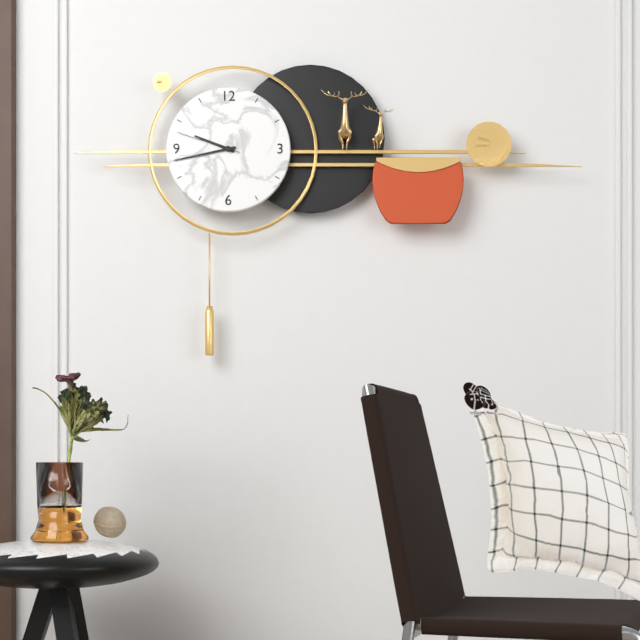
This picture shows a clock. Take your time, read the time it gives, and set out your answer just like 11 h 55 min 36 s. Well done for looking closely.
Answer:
9 h 43 min 48 s
